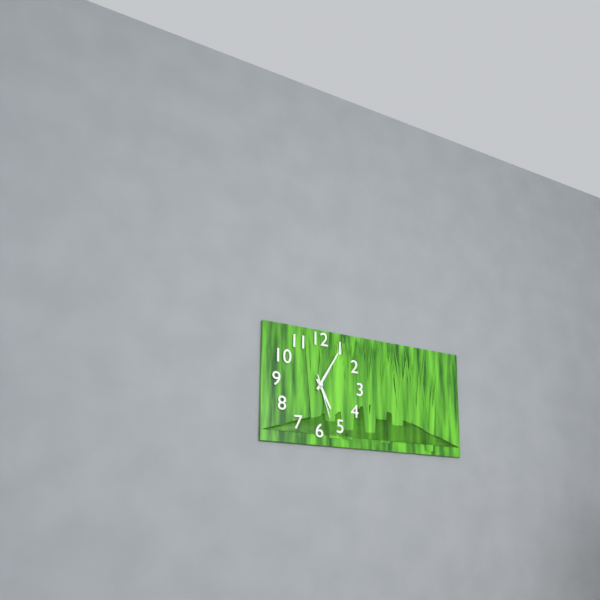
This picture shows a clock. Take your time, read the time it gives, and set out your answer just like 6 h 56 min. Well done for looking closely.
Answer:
5 h 05 min
